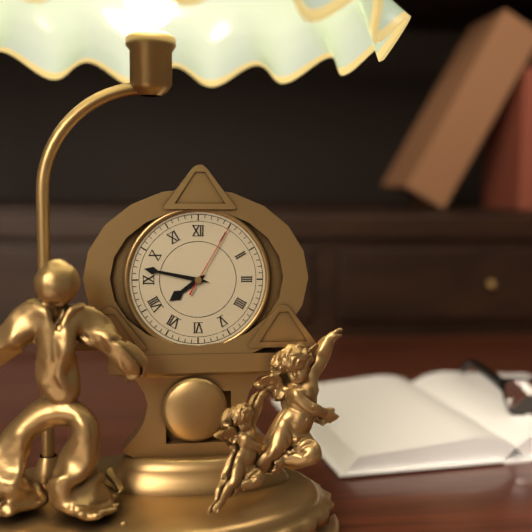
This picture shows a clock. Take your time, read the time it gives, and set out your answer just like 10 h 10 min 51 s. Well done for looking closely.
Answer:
7 h 47 min 05 s
